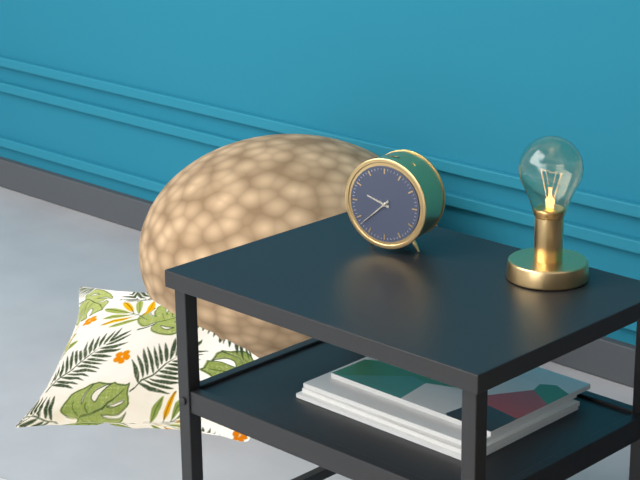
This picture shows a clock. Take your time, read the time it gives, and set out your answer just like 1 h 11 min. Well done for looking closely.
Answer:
9 h 38 min
